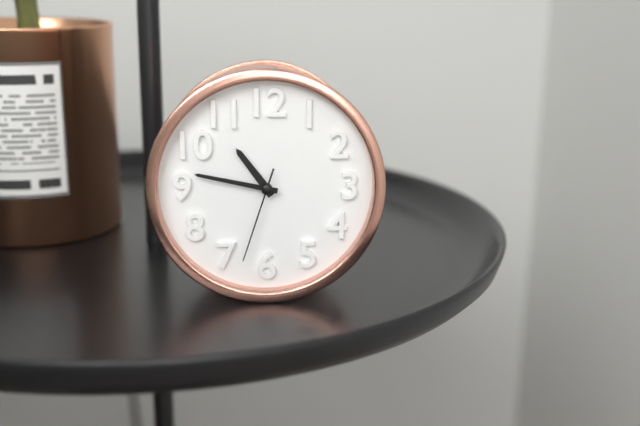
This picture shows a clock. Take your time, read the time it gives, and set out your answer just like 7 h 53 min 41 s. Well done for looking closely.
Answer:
10 h 47 min 33 s
